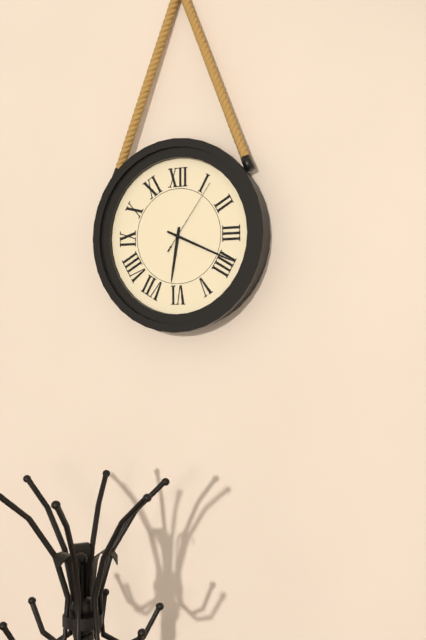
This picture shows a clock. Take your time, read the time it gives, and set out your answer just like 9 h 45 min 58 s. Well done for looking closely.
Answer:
6 h 19 min 06 s
